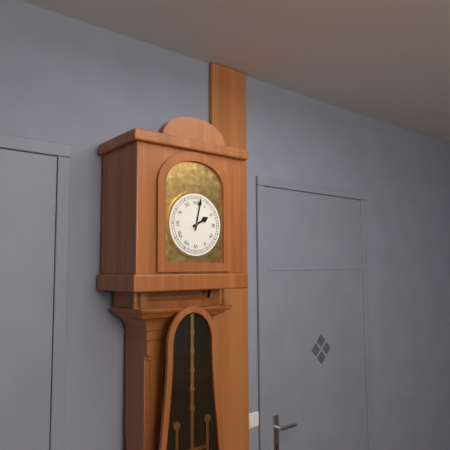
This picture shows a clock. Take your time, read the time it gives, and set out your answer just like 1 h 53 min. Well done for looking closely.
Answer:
2 h 02 min
